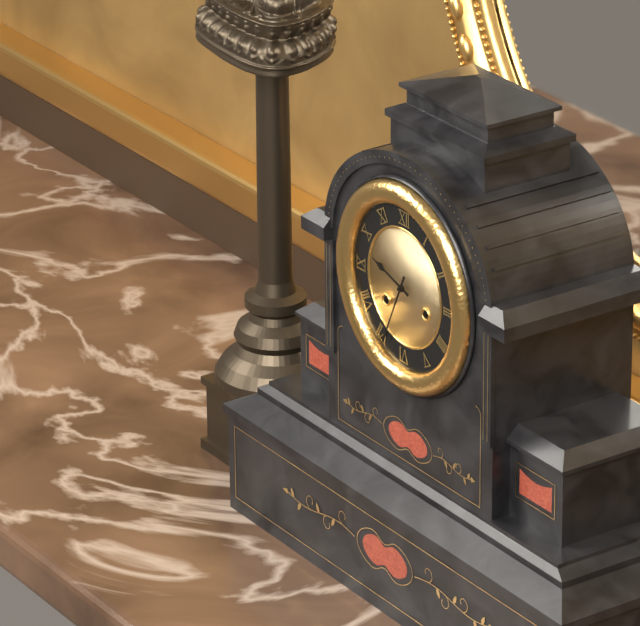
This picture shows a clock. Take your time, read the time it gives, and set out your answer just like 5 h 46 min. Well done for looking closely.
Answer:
9 h 34 min
